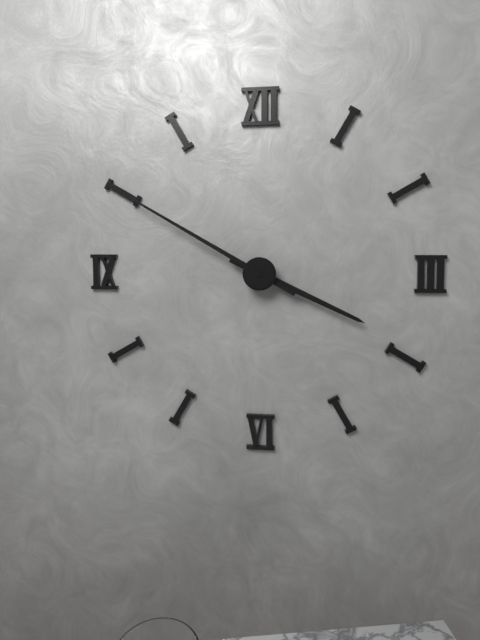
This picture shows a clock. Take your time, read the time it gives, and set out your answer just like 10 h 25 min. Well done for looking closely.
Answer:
3 h 50 min
